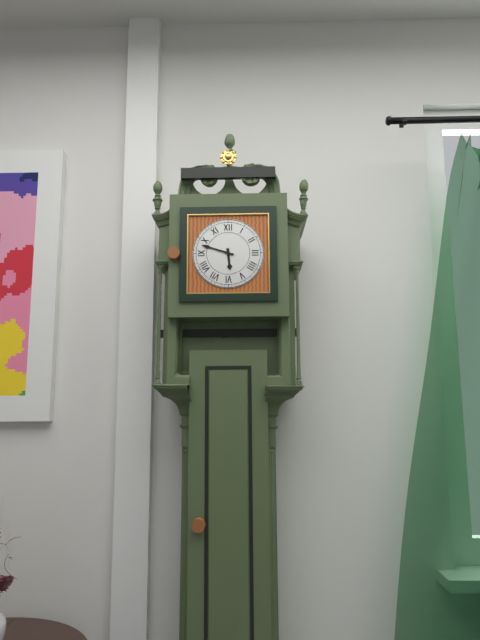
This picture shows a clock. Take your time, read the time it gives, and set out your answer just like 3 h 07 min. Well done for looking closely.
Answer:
5 h 48 min
